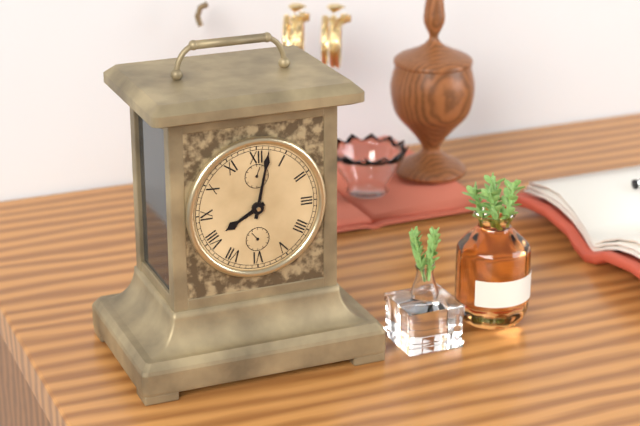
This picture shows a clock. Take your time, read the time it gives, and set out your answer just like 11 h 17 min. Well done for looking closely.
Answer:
8 h 02 min
